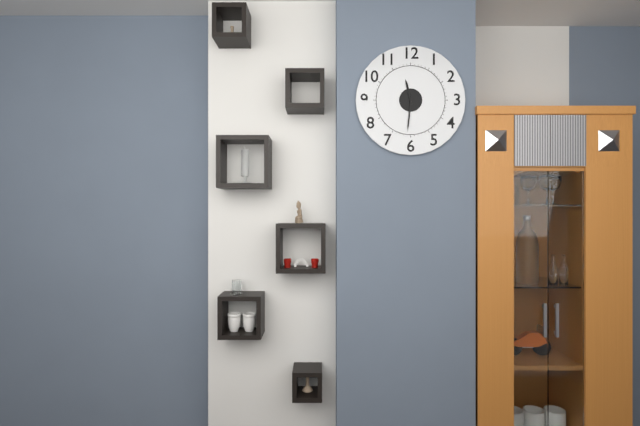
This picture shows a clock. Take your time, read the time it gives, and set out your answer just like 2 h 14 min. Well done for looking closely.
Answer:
11 h 31 min
